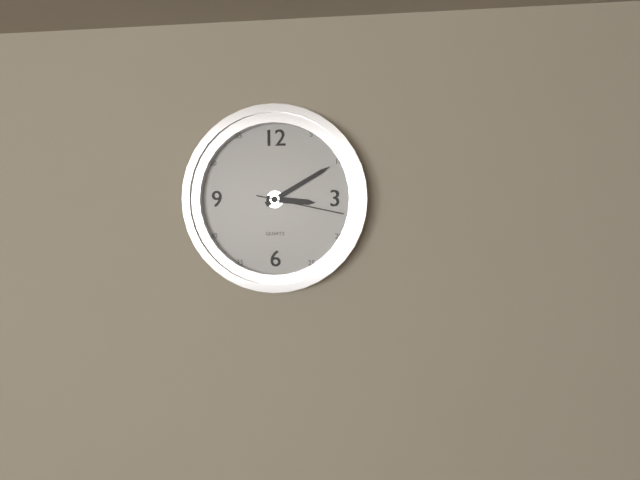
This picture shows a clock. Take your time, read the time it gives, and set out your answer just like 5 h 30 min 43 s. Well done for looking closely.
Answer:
3 h 10 min 17 s
